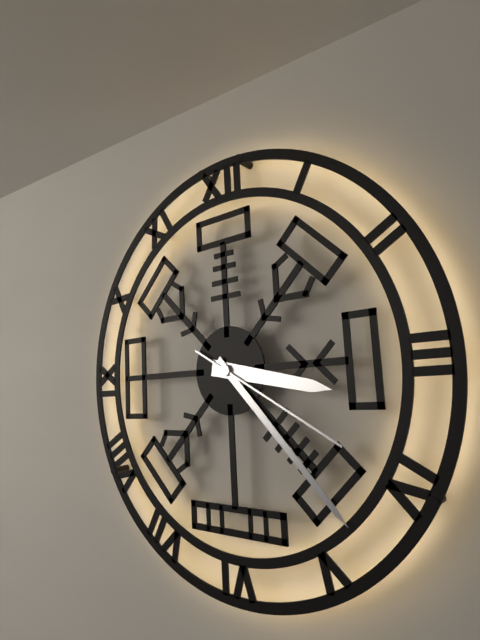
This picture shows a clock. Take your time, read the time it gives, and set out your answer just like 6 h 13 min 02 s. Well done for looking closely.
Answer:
3 h 23 min 20 s
